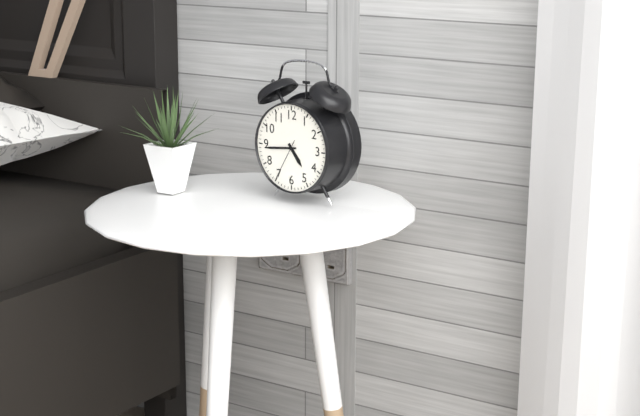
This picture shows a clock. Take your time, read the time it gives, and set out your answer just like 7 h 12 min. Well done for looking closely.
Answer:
4 h 44 min
